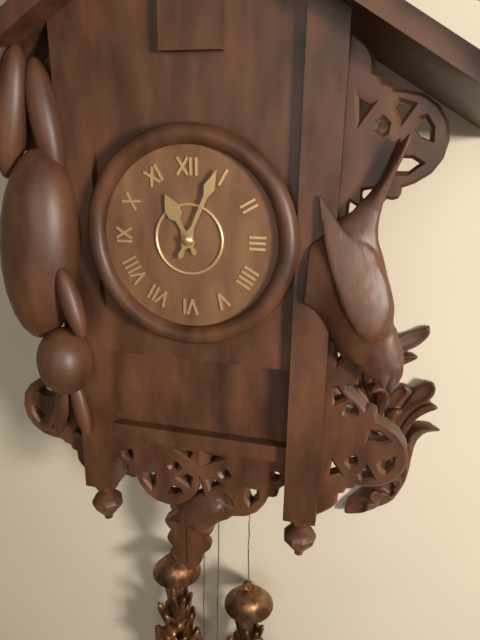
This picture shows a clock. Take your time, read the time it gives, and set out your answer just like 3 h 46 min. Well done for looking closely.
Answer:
11 h 04 min
